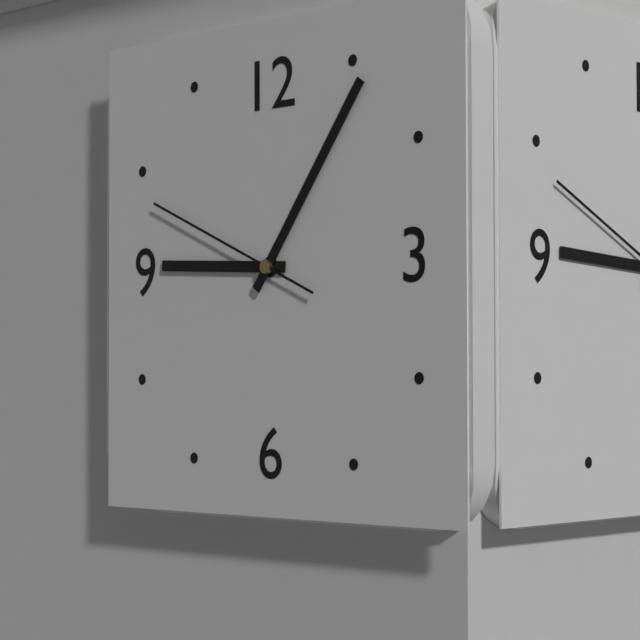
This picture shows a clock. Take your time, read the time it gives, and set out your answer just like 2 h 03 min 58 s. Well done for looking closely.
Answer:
9 h 06 min 49 s
